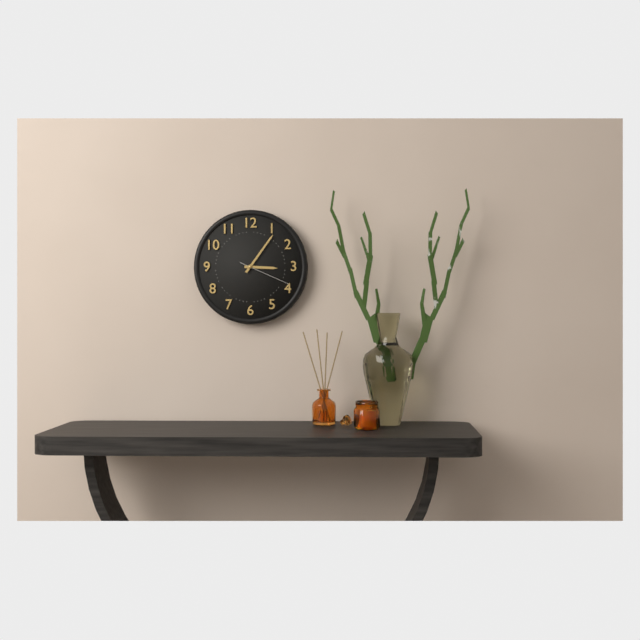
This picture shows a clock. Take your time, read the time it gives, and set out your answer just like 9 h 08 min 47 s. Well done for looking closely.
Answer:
3 h 06 min 19 s
